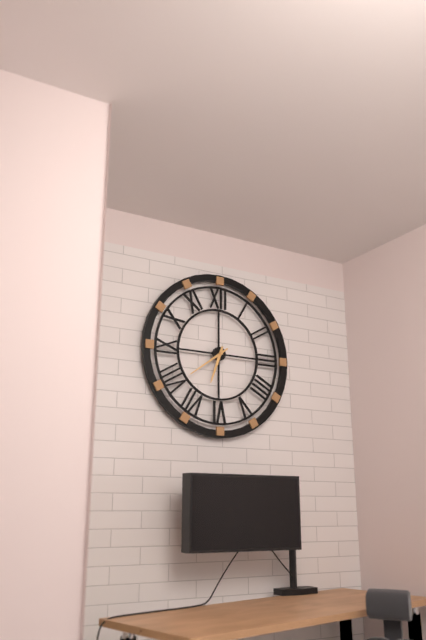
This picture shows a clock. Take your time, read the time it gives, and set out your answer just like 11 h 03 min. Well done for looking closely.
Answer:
6 h 39 min
